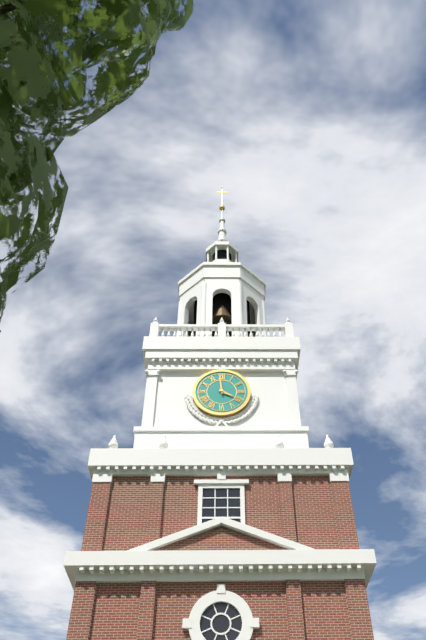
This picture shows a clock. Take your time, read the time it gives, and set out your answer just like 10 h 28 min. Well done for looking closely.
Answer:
3 h 59 min
